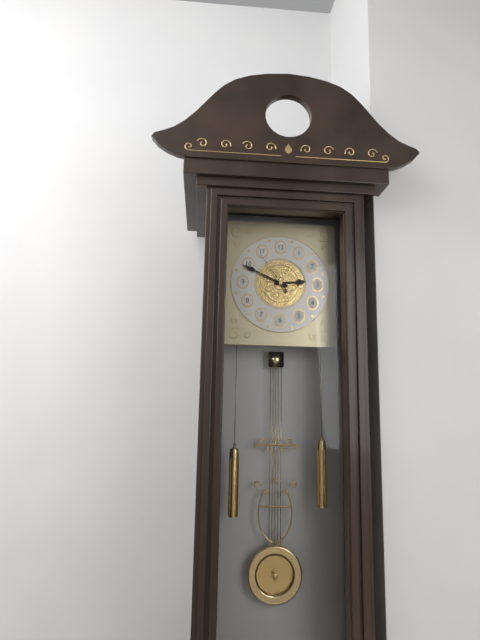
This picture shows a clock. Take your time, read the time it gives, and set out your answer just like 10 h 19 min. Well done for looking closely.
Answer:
2 h 49 min
